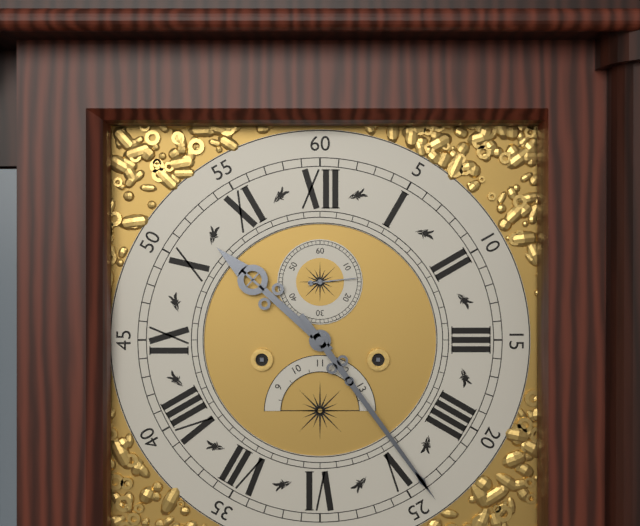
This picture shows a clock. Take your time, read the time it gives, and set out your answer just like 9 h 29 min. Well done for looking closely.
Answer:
10 h 24 min
